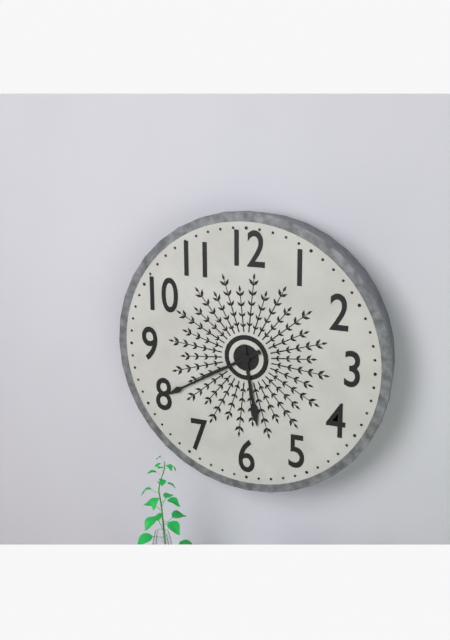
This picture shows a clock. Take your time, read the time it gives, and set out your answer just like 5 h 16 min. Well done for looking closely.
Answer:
5 h 40 min
